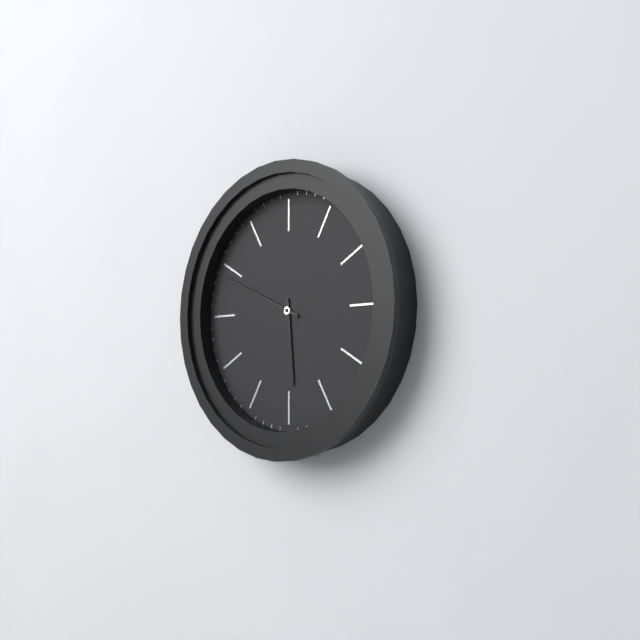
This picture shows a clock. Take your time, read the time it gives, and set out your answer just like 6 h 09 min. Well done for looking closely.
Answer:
5 h 49 min
